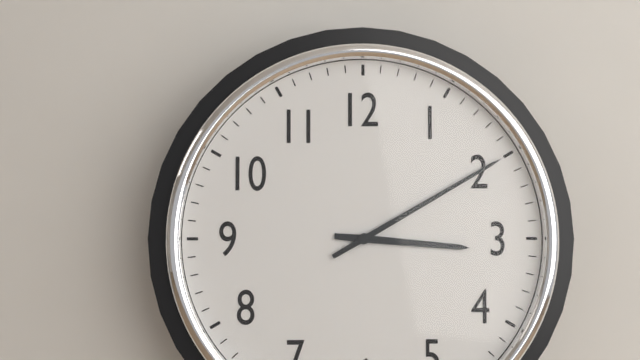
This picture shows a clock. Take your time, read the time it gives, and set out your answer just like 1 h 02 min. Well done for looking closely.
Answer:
3 h 10 min
